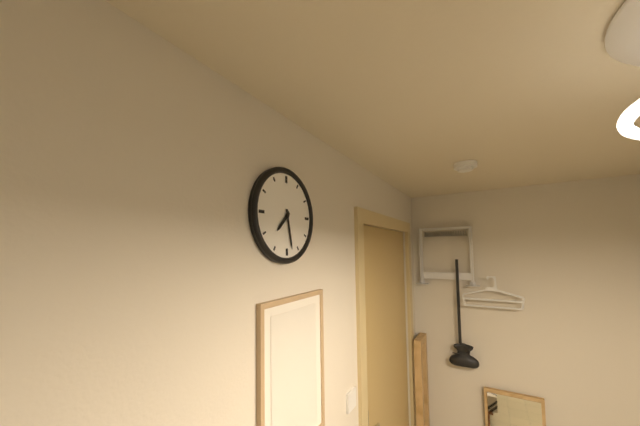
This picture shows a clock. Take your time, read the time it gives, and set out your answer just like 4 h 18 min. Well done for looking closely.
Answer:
7 h 28 min
